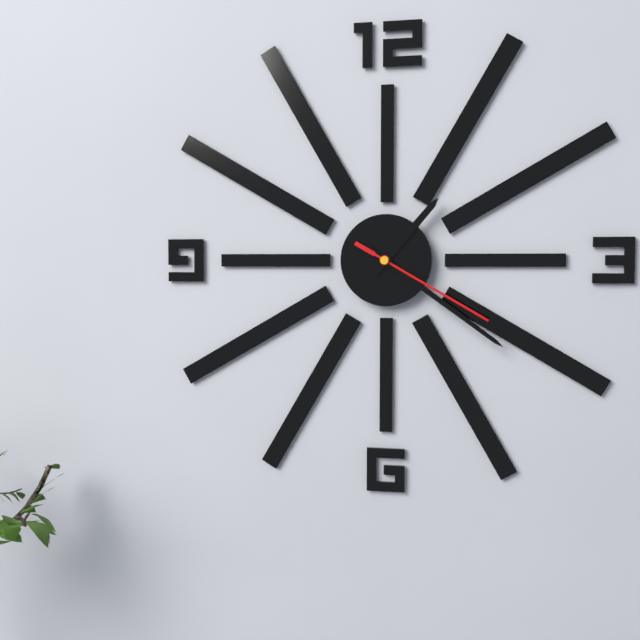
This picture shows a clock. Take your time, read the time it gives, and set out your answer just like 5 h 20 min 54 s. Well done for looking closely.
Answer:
1 h 21 min 20 s
